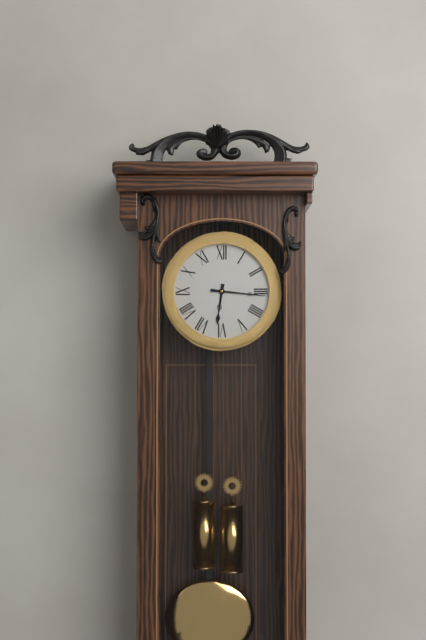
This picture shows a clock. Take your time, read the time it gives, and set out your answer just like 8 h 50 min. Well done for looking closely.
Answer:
6 h 16 min
